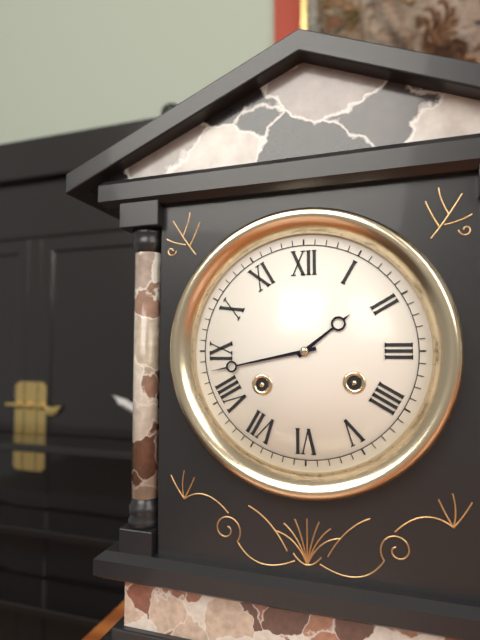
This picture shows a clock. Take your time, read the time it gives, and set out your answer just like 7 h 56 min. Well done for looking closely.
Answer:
1 h 43 min
